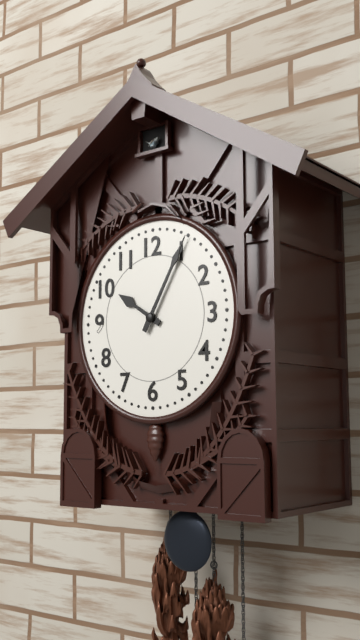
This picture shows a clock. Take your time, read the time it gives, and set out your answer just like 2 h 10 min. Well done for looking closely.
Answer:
10 h 05 min
